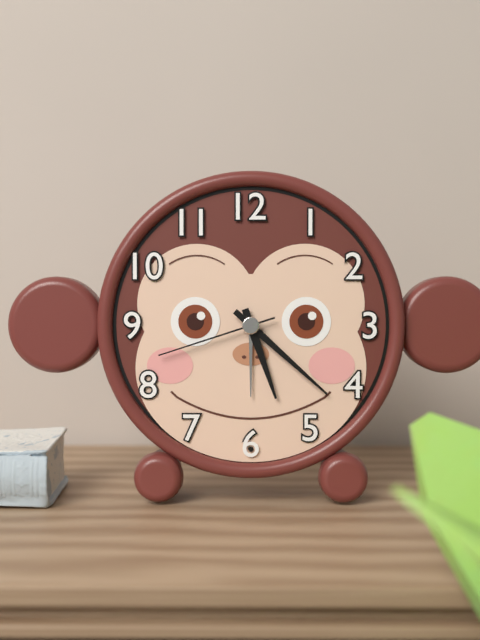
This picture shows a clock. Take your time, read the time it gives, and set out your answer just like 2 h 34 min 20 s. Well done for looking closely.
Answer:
5 h 22 min 42 s
